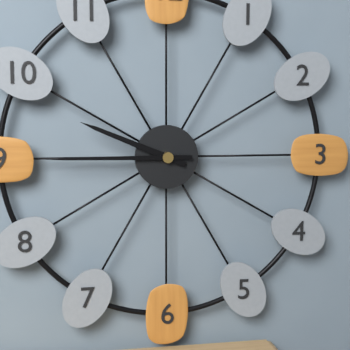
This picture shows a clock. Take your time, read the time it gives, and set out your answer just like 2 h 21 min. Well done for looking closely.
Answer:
9 h 45 min
